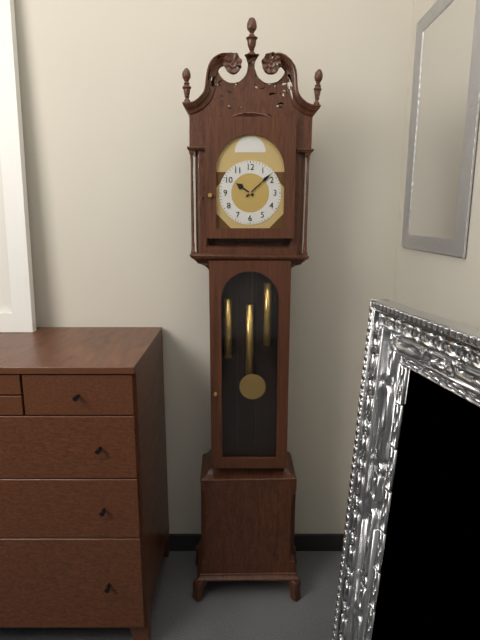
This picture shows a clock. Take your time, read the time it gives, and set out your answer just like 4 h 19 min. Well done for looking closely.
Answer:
10 h 08 min
